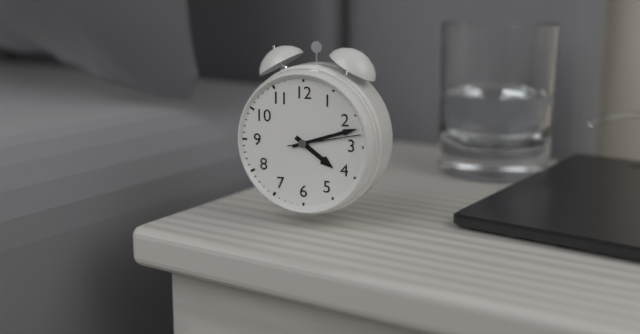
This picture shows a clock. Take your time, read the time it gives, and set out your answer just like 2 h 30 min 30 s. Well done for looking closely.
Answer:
4 h 12 min 13 s
